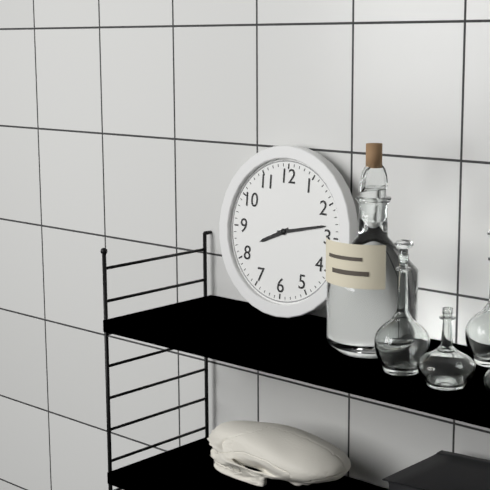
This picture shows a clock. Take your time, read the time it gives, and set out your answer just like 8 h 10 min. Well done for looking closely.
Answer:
8 h 13 min
